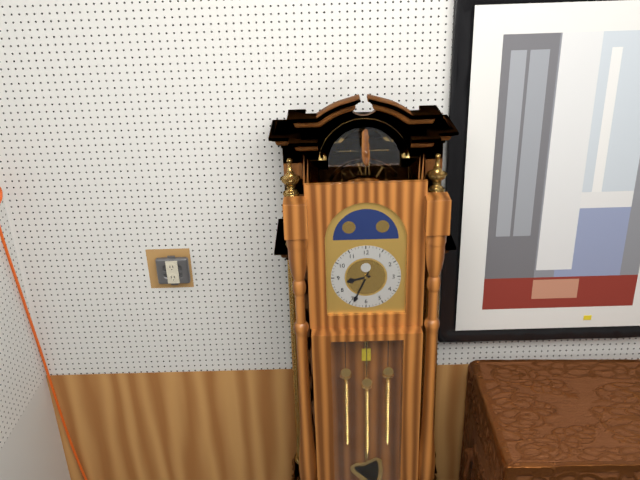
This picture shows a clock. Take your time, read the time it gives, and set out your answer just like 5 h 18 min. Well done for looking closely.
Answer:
8 h 34 min
